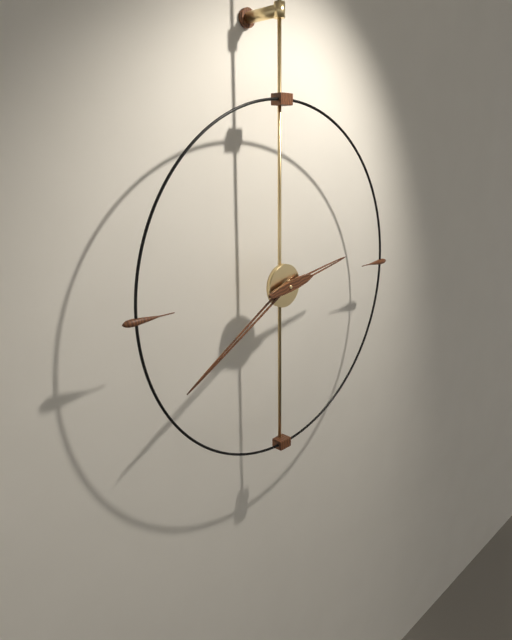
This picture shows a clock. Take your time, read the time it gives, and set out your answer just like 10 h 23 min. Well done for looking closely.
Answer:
2 h 40 min
